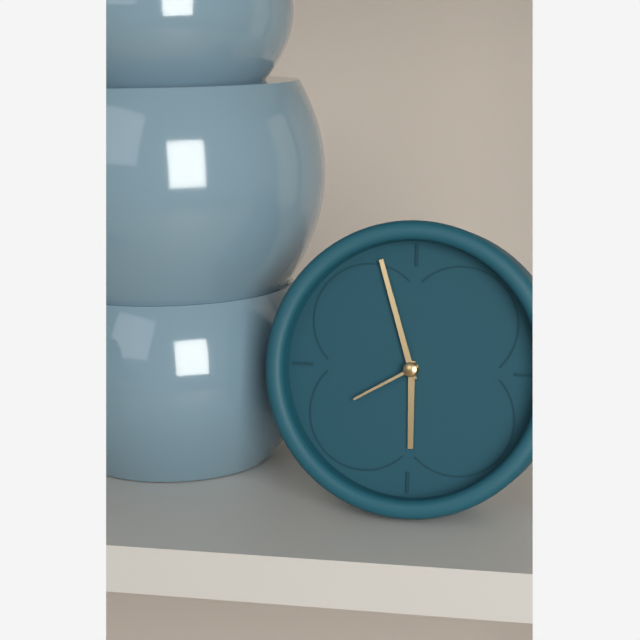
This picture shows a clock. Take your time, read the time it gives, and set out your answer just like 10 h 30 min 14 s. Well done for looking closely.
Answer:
5 h 57 min 40 s
